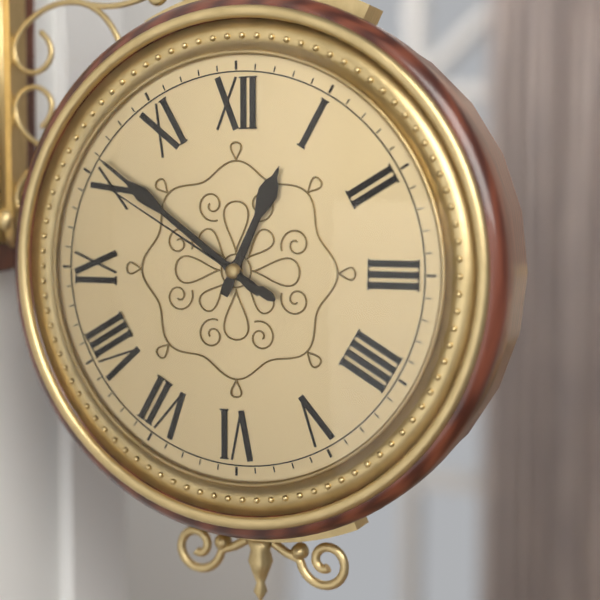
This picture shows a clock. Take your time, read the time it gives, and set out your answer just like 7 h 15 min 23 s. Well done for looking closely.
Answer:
12 h 51 min 50 s
